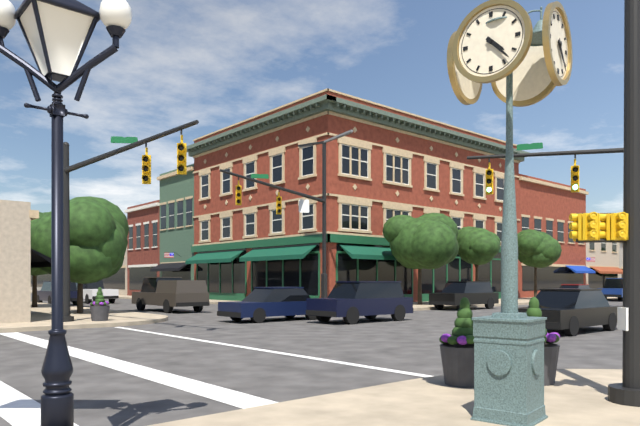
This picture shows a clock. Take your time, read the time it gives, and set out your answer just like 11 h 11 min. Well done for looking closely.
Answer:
4 h 23 min
